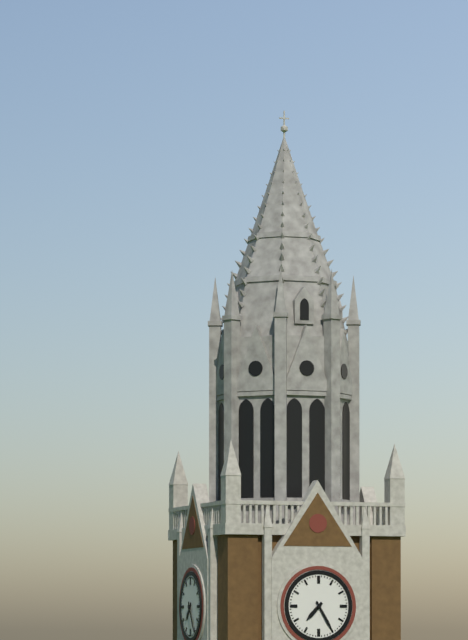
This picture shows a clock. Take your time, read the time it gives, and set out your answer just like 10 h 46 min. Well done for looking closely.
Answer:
7 h 25 min
